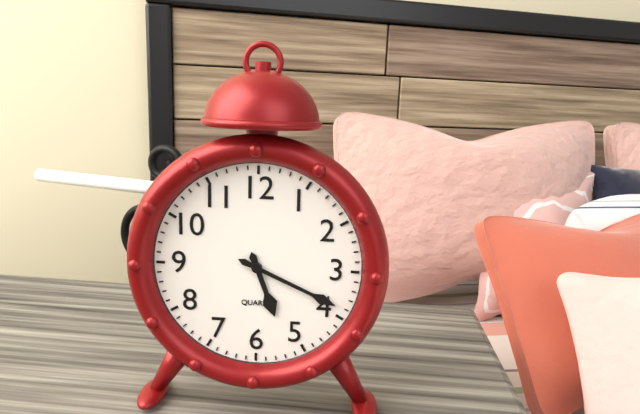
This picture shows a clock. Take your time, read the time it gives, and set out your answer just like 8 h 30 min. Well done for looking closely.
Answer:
5 h 19 min
